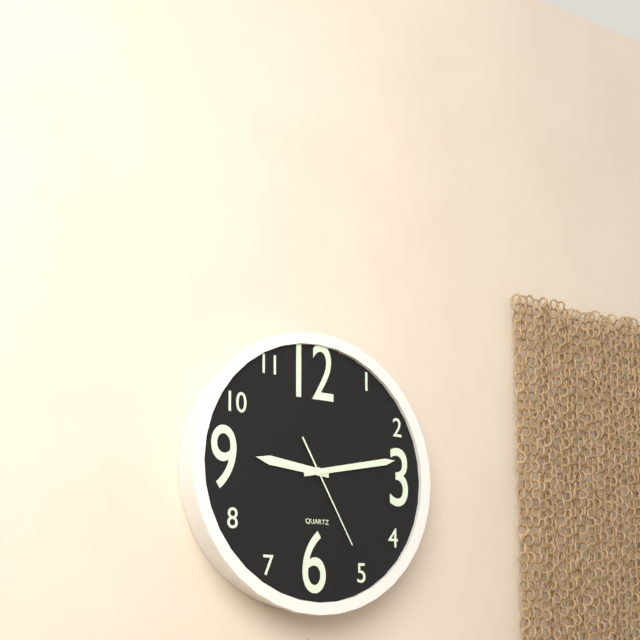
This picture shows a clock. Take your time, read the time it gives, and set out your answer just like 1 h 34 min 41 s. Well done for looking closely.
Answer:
9 h 13 min 25 s
